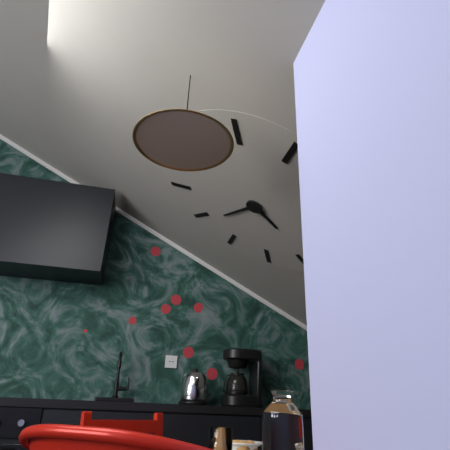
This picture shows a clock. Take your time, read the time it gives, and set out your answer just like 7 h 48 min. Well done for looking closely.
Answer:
6 h 49 min
